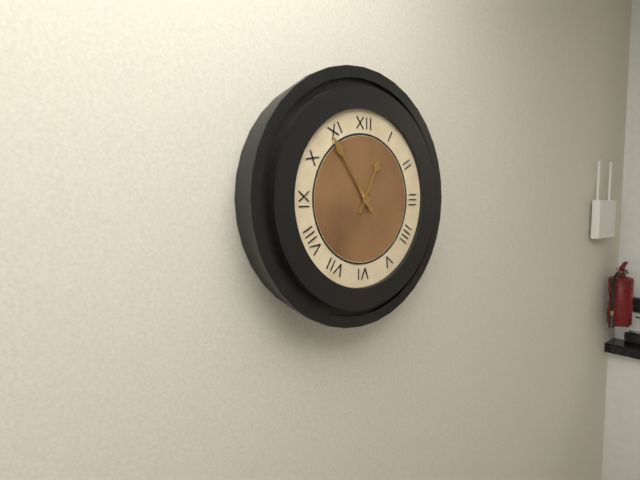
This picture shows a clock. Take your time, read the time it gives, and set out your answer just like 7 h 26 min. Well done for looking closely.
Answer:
12 h 54 min
